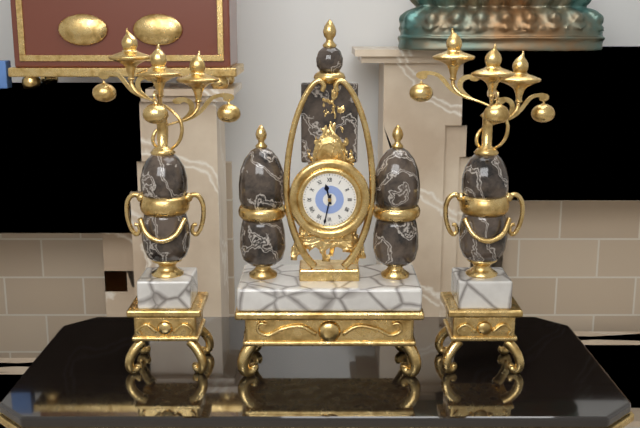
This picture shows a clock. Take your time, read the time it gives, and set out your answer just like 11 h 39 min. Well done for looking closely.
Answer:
11 h 32 min
